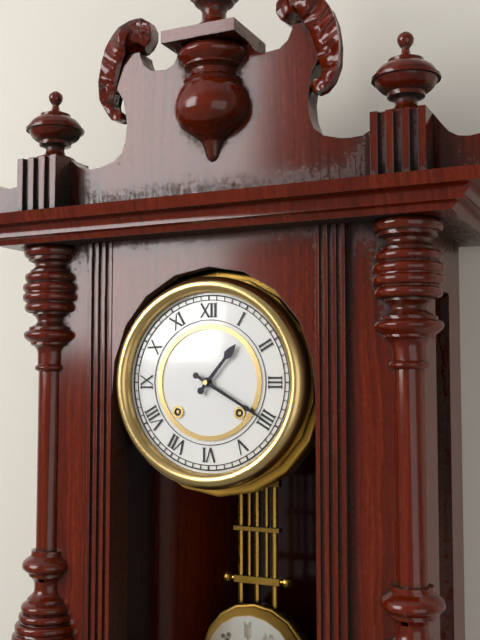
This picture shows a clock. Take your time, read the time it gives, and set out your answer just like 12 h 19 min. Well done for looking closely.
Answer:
1 h 20 min
